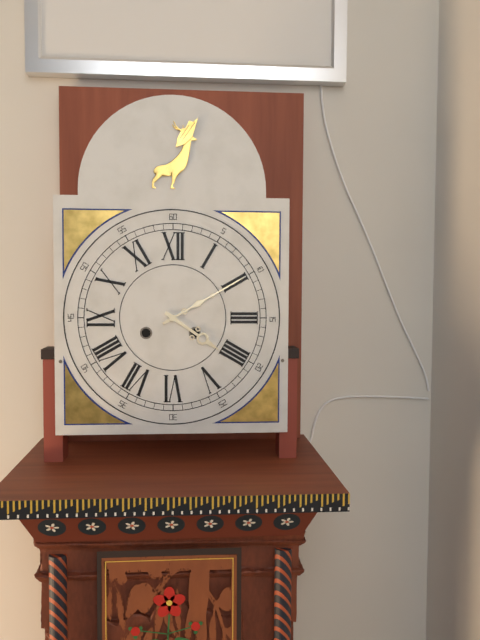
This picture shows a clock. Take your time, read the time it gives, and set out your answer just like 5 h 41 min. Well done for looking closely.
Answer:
4 h 10 min
